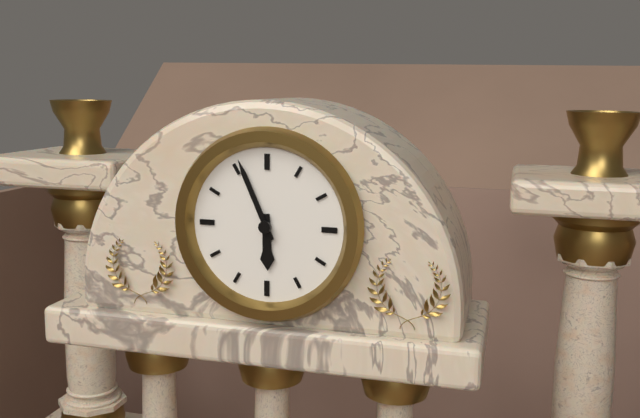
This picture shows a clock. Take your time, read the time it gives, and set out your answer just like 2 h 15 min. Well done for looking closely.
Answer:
5 h 56 min
